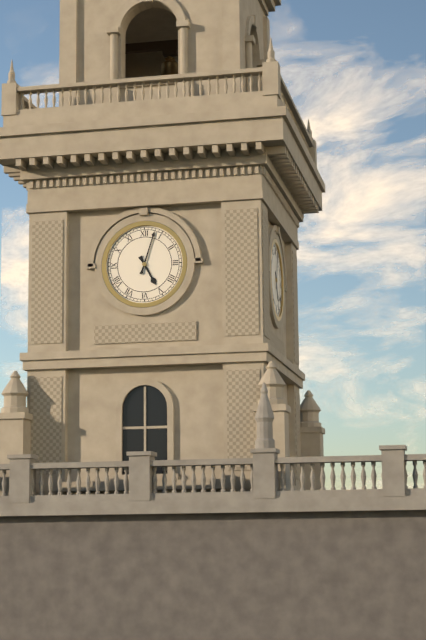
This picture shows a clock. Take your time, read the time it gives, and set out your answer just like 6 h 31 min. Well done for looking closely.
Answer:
5 h 03 min
